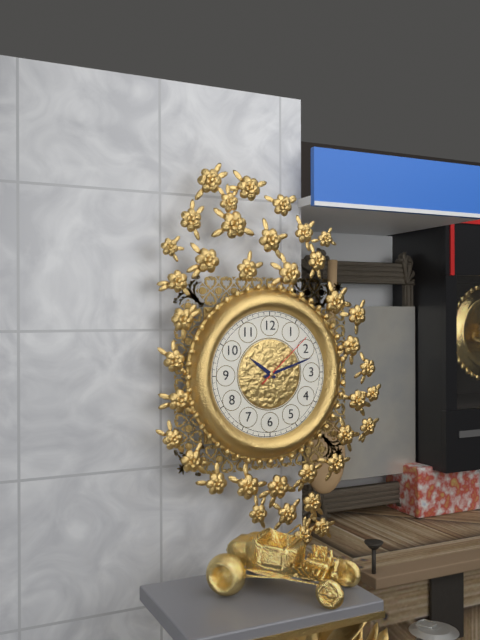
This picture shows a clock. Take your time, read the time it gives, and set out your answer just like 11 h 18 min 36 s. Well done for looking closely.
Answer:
10 h 12 min 08 s
